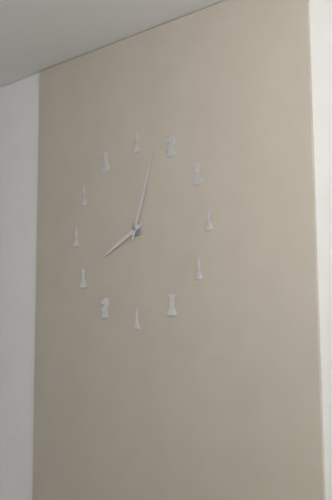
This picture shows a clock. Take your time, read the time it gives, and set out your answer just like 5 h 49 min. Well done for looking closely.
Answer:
8 h 03 min
